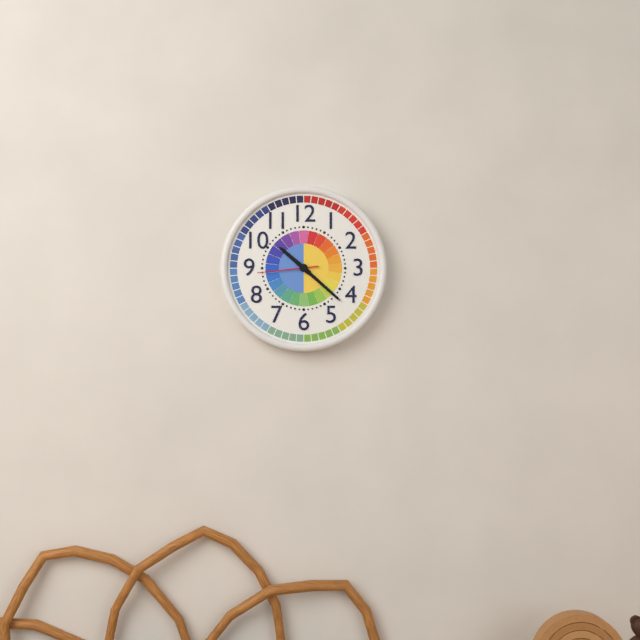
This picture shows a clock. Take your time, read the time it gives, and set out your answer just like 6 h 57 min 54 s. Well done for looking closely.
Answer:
10 h 22 min 44 s
